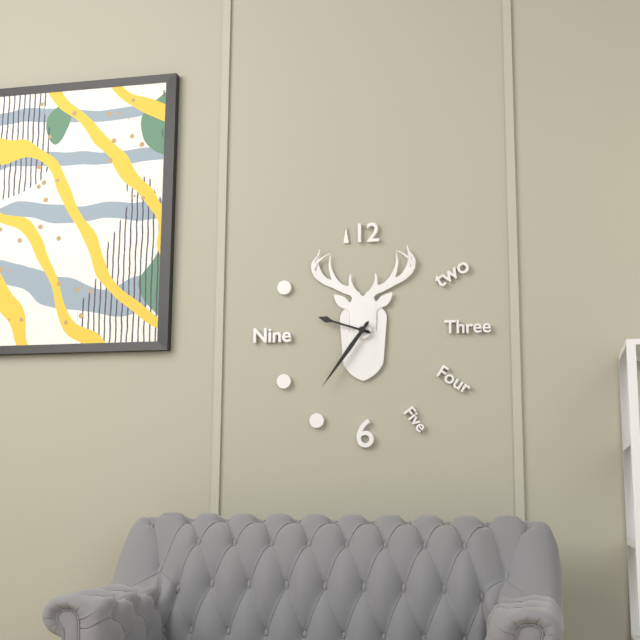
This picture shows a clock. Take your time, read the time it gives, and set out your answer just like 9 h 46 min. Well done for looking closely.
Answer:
9 h 36 min
